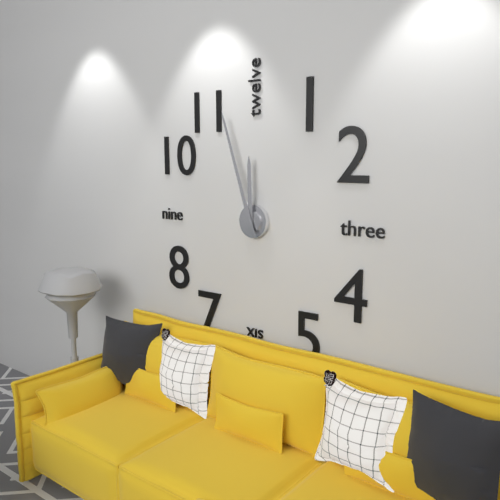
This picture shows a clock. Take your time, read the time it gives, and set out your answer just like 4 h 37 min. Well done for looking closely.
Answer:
11 h 57 min
